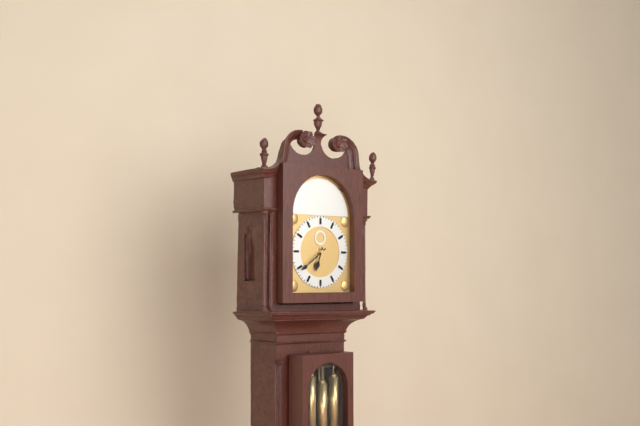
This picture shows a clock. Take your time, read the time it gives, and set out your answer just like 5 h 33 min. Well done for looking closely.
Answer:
6 h 39 min
